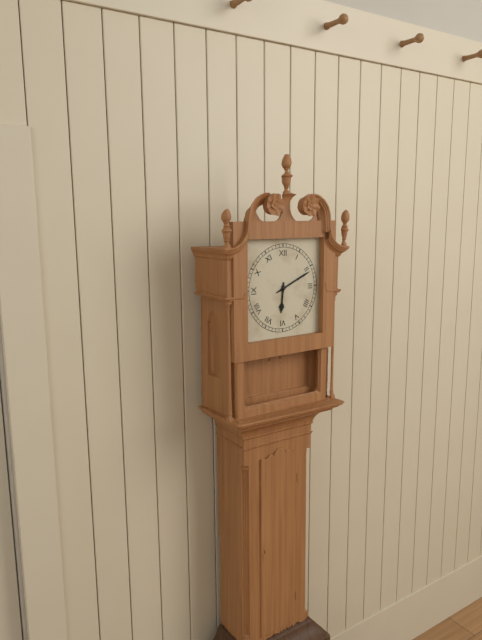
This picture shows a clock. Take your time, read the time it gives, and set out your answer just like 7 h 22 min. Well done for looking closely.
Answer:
6 h 11 min
